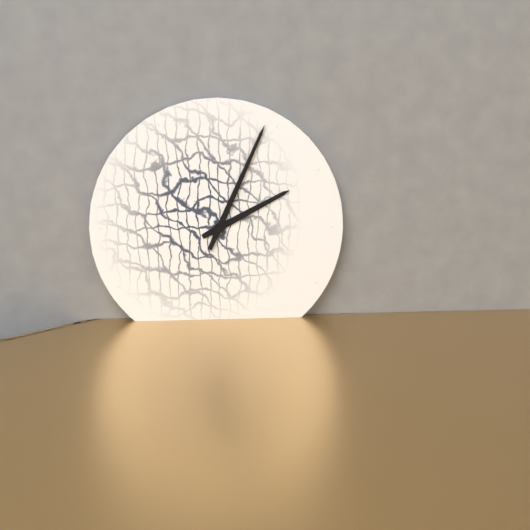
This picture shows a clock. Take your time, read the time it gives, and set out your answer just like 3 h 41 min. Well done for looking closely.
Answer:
2 h 04 min
